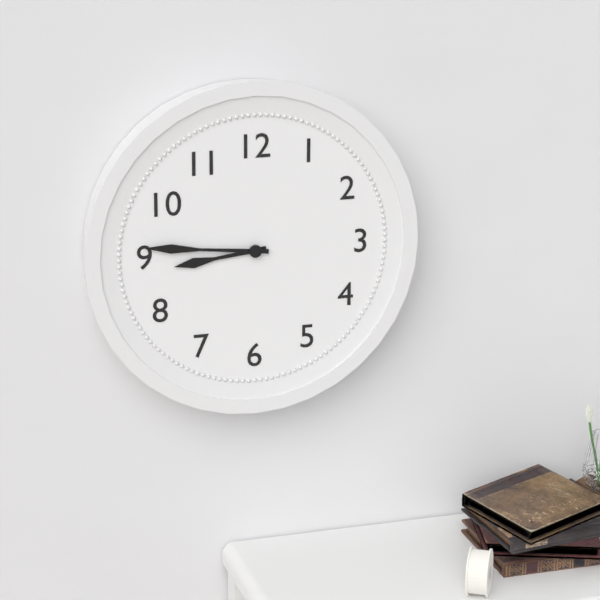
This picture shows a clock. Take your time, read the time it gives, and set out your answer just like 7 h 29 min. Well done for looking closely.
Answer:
8 h 46 min
